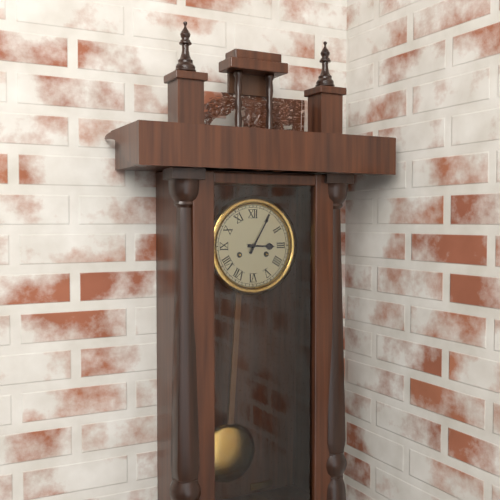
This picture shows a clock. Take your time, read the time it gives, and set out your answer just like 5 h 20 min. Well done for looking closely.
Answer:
3 h 05 min
